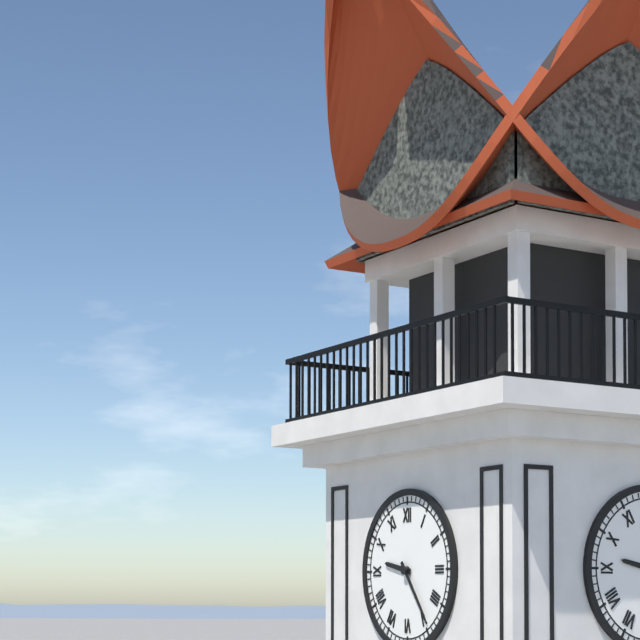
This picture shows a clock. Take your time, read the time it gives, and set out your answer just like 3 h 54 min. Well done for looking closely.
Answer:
9 h 24 min
